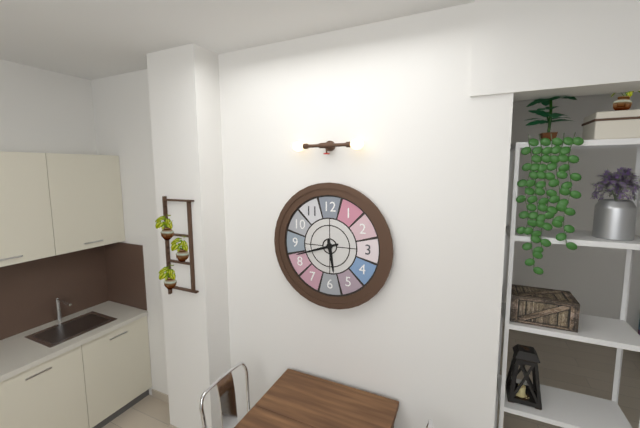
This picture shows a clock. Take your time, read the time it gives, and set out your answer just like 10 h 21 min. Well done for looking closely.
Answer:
5 h 42 min
